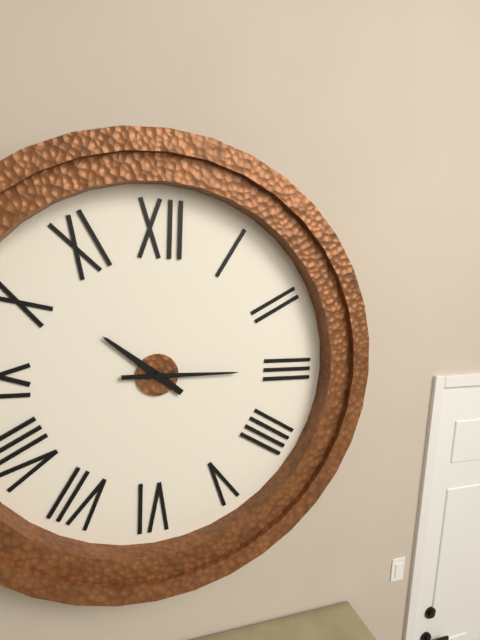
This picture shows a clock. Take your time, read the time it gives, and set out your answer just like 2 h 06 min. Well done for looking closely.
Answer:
10 h 15 min
